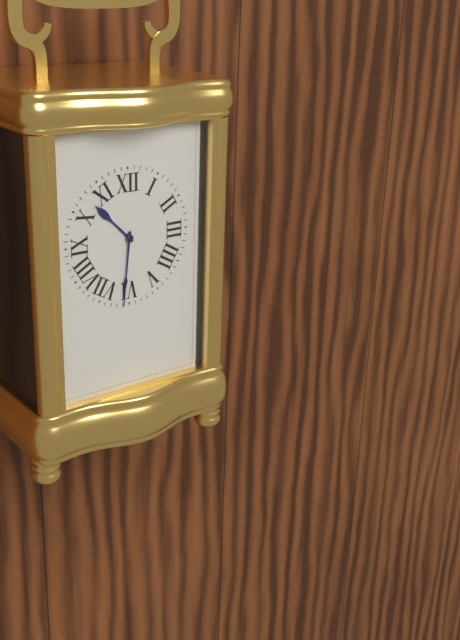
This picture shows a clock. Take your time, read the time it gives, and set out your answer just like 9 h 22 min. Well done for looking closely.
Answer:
10 h 31 min
